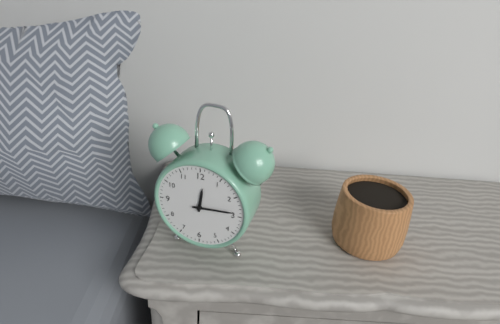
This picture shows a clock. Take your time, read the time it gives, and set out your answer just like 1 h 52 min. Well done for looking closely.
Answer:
12 h 14 min
